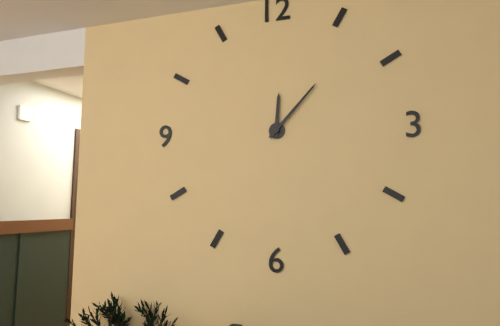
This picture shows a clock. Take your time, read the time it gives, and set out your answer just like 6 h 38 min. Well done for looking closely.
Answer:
12 h 07 min
